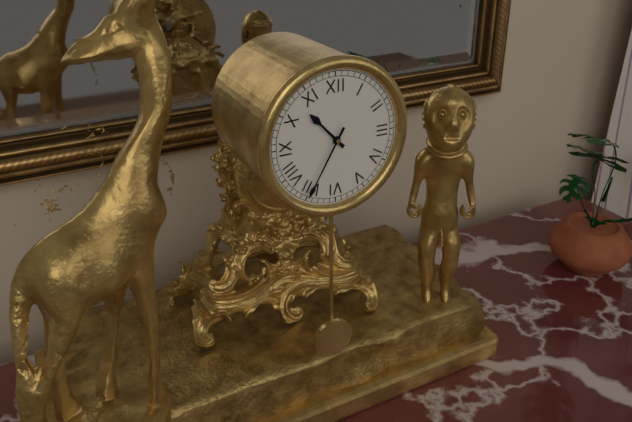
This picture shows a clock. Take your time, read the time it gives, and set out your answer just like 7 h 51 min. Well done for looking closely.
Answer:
10 h 35 min
